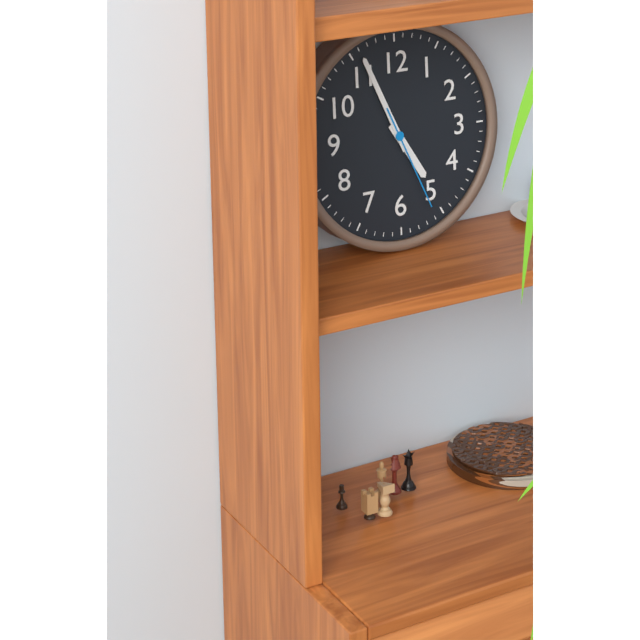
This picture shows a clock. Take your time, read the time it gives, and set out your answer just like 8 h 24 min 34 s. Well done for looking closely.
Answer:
4 h 56 min 26 s
